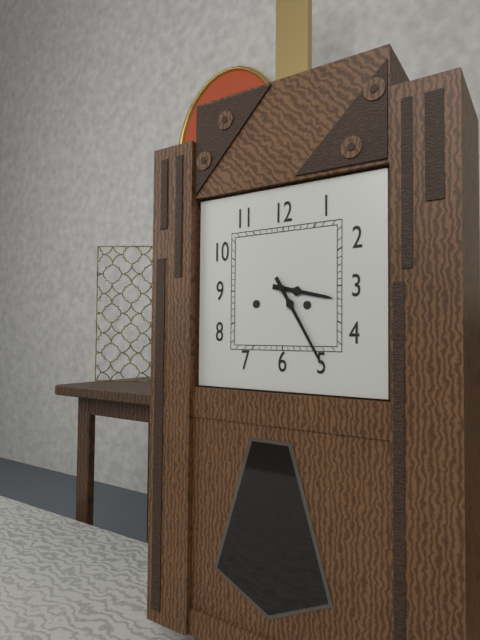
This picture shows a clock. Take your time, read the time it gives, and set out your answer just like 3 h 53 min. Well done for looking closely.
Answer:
3 h 25 min
